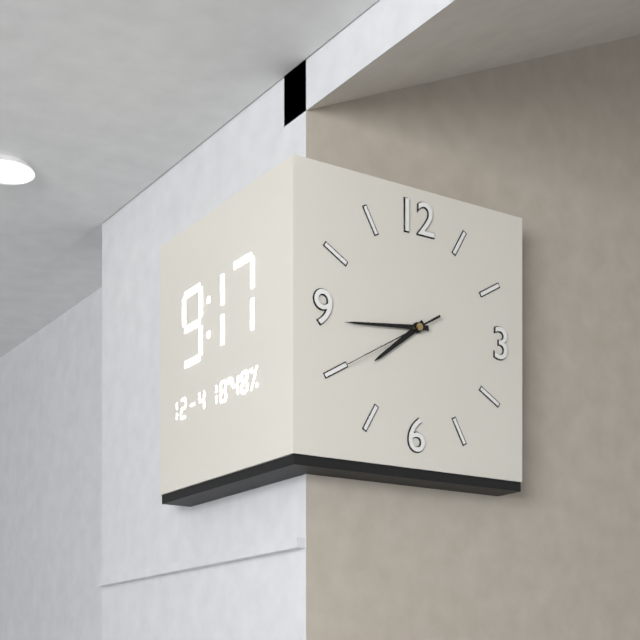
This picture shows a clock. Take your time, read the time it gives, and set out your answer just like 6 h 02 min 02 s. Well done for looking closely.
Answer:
7 h 44 min 40 s
